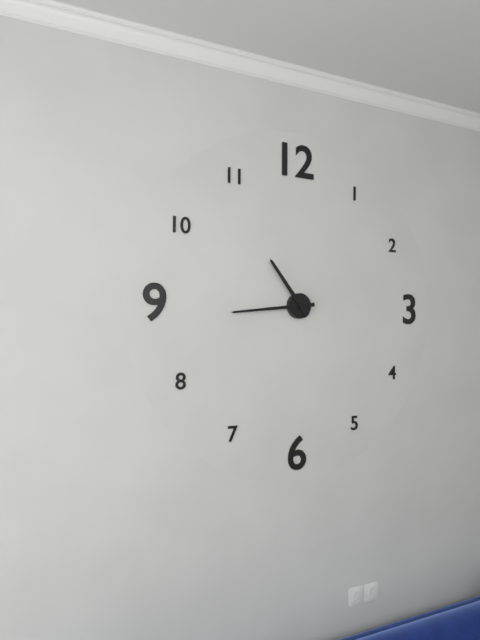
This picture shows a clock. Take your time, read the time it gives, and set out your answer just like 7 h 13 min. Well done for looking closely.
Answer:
10 h 44 min
